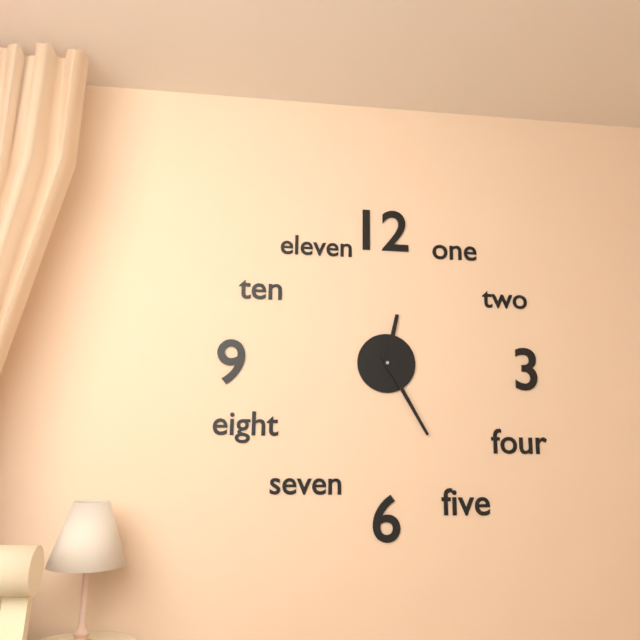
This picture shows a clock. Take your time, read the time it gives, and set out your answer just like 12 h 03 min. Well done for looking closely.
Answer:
12 h 25 min
